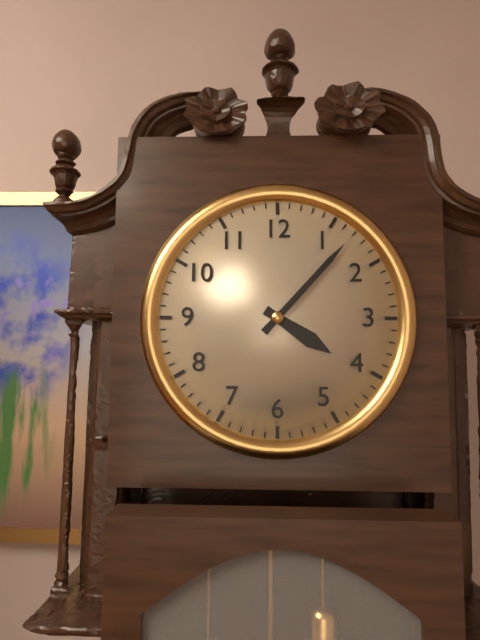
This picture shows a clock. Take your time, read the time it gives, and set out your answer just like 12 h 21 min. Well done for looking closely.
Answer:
4 h 07 min
